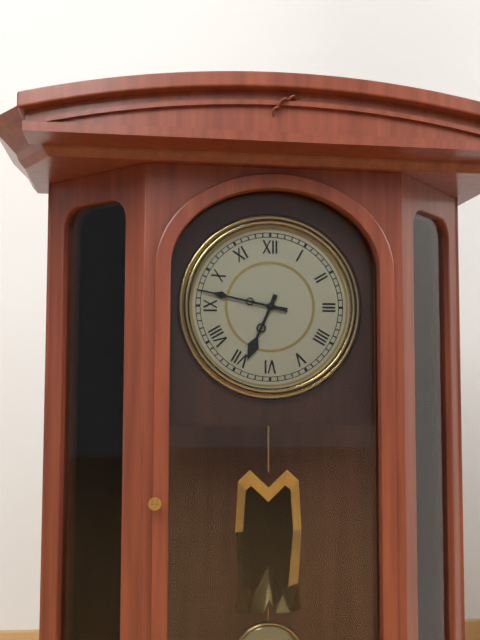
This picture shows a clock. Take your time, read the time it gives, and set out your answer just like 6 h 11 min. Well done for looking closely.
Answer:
6 h 47 min
